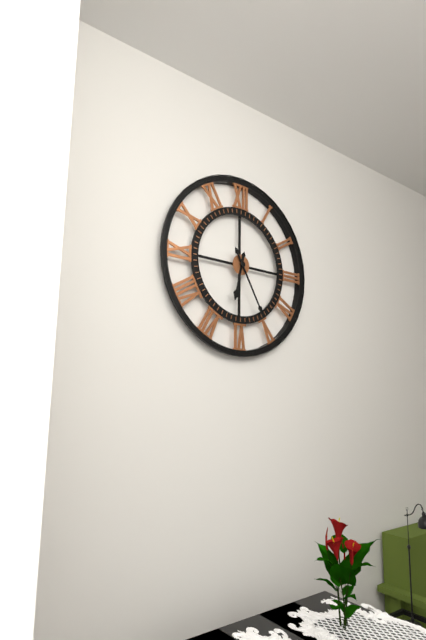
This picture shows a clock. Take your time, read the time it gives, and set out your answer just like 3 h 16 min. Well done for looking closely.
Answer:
6 h 25 min
